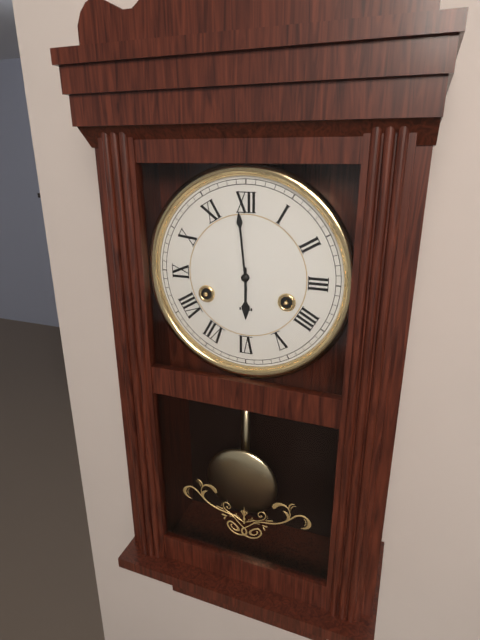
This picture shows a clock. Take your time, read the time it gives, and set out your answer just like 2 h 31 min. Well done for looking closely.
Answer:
5 h 59 min
